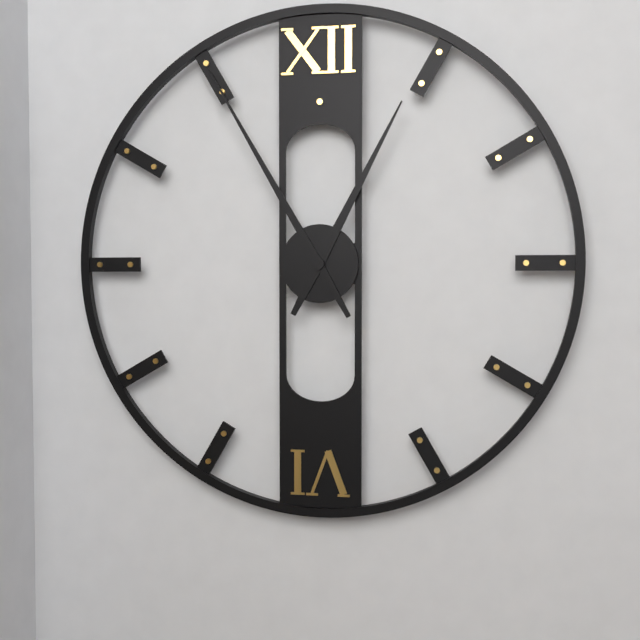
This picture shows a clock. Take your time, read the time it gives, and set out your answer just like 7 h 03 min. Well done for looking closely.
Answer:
12 h 55 min
